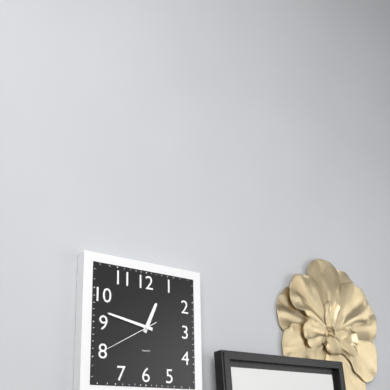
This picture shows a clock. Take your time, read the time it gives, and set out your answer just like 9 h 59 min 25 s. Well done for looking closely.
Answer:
12 h 47 min 40 s
